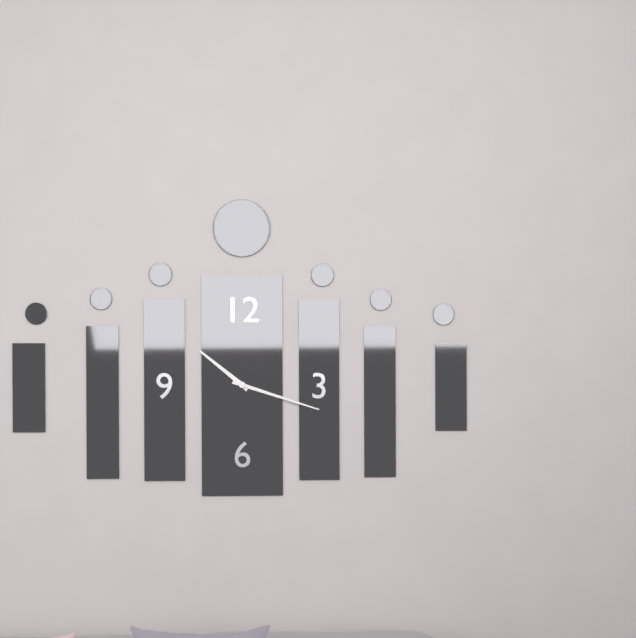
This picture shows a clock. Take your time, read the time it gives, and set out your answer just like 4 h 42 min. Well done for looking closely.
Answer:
10 h 18 min
